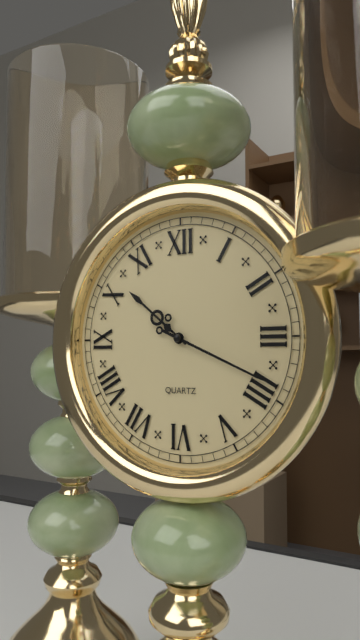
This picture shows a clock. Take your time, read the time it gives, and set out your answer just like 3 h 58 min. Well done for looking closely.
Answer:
10 h 19 min
